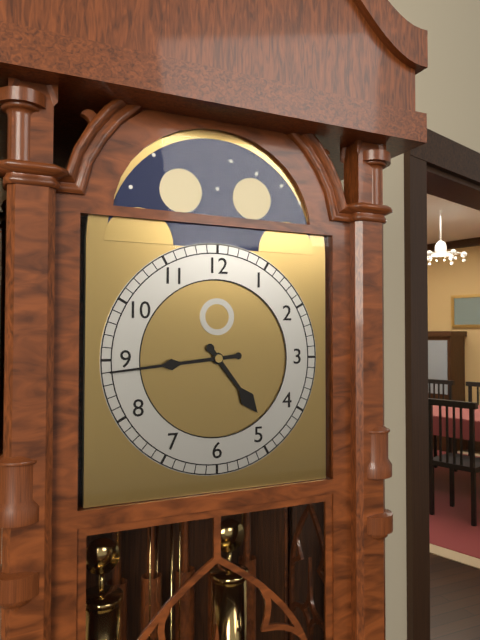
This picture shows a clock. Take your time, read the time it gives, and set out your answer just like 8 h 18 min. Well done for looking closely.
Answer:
4 h 44 min
